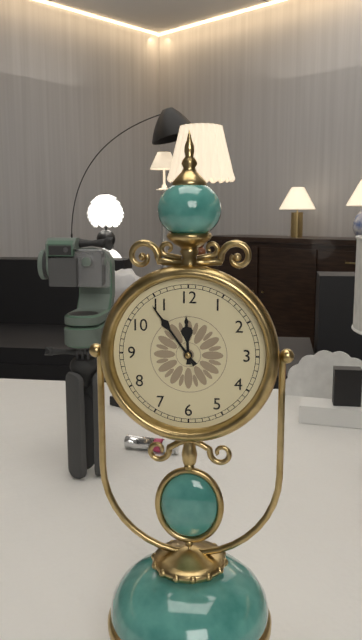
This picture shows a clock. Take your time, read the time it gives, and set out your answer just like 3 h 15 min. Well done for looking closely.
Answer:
11 h 54 min
